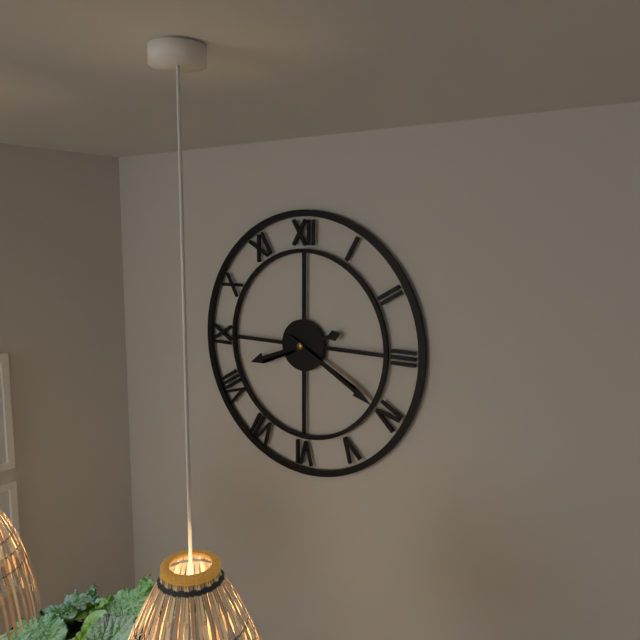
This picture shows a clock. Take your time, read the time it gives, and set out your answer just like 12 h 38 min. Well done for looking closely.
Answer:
8 h 20 min
